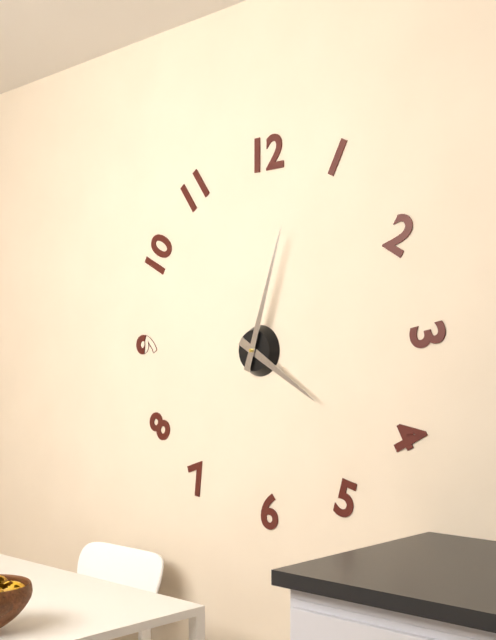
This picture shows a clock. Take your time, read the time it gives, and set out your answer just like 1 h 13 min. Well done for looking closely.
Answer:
4 h 03 min
